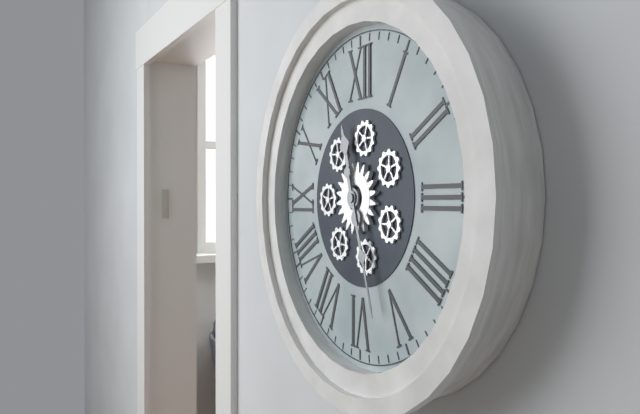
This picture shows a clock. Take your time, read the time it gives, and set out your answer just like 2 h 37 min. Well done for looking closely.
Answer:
11 h 27 min
